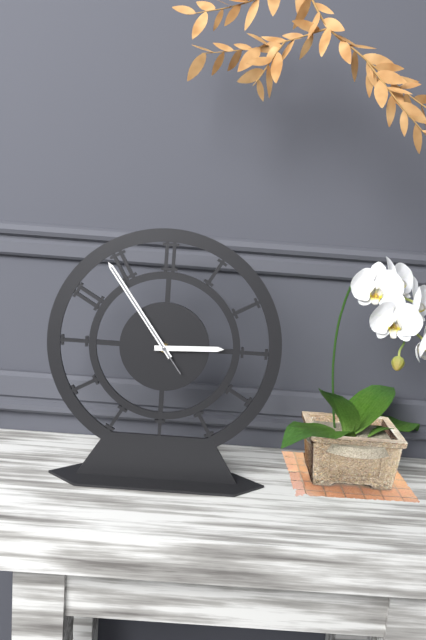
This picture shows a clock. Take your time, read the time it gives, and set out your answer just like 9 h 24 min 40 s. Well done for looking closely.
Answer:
2 h 54 min 54 s
